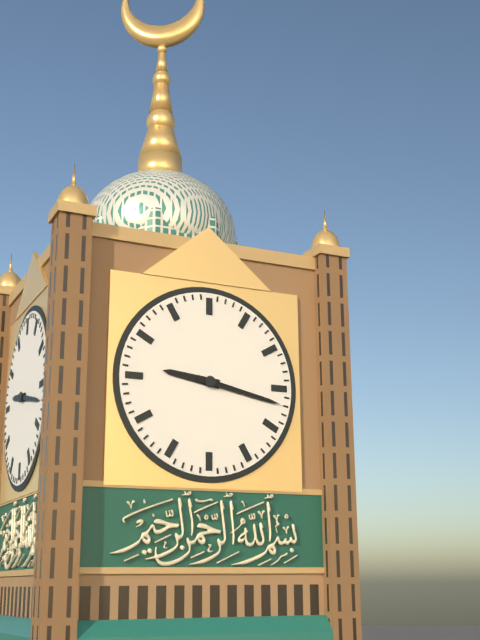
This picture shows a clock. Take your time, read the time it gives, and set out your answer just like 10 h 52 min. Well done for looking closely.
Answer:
9 h 17 min
